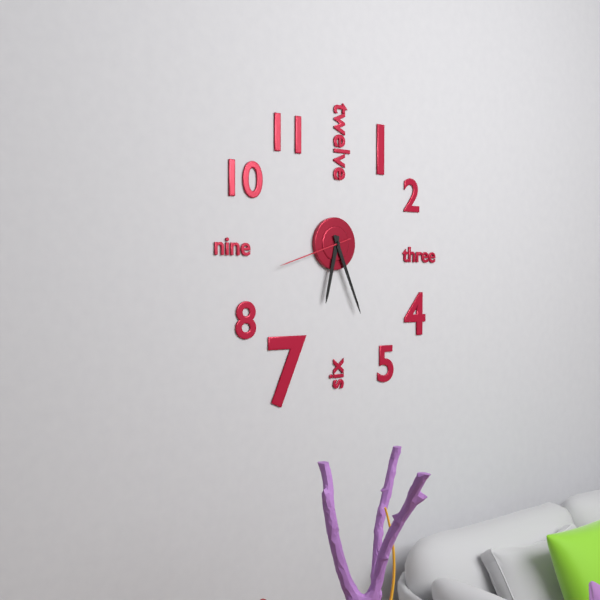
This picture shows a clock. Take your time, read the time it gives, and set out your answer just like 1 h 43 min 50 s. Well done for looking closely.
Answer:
6 h 26 min 42 s
